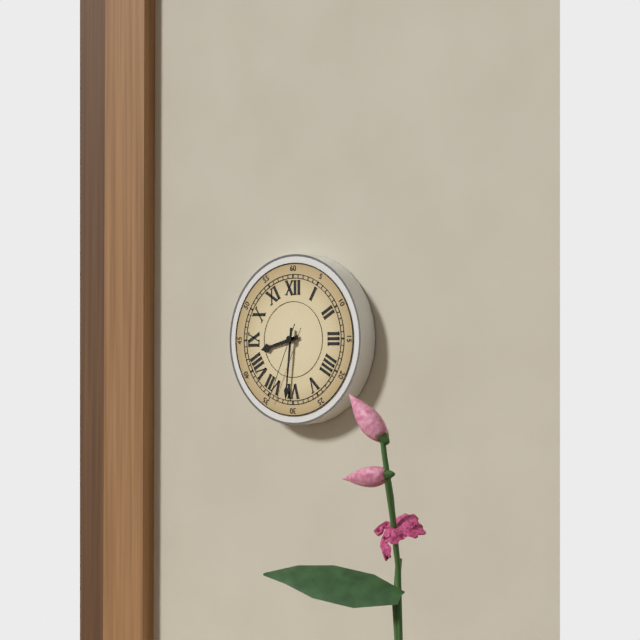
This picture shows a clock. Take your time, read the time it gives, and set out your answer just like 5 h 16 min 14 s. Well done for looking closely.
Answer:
8 h 31 min 34 s
